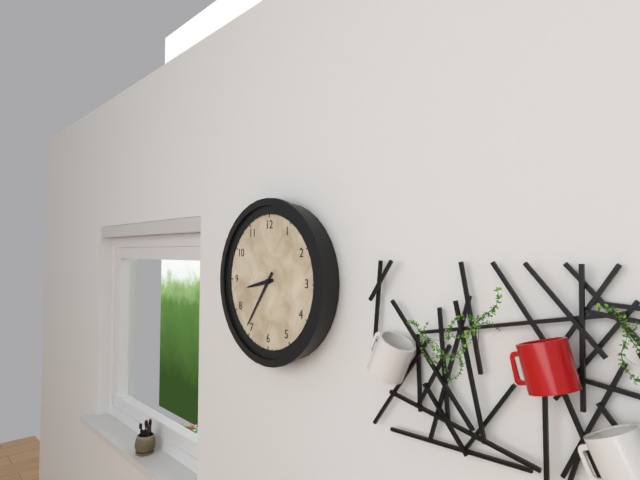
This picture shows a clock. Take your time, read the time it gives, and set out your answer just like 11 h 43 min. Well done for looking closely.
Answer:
8 h 36 min
